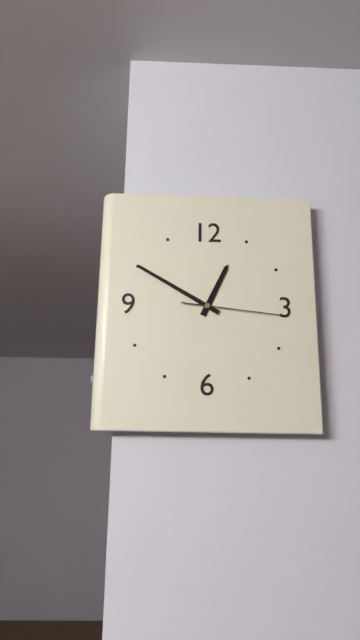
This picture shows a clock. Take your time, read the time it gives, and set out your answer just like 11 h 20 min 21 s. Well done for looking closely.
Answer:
12 h 50 min 16 s
